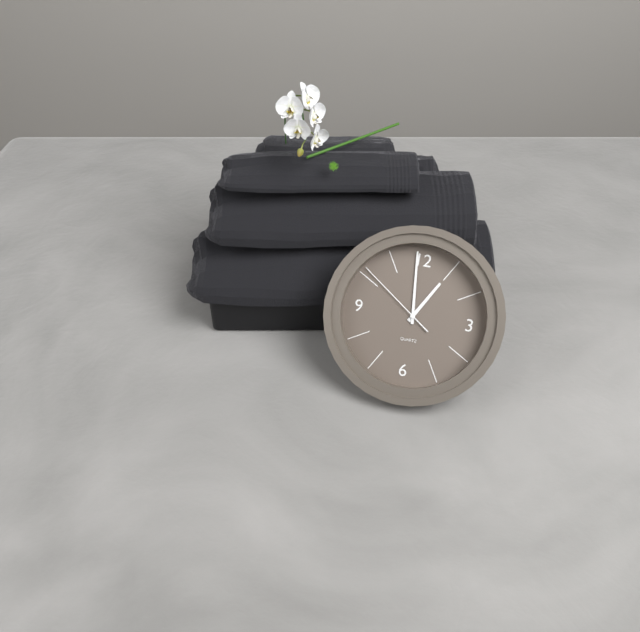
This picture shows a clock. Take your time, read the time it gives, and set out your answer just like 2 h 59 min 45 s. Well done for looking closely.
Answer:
12 h 59 min 51 s
